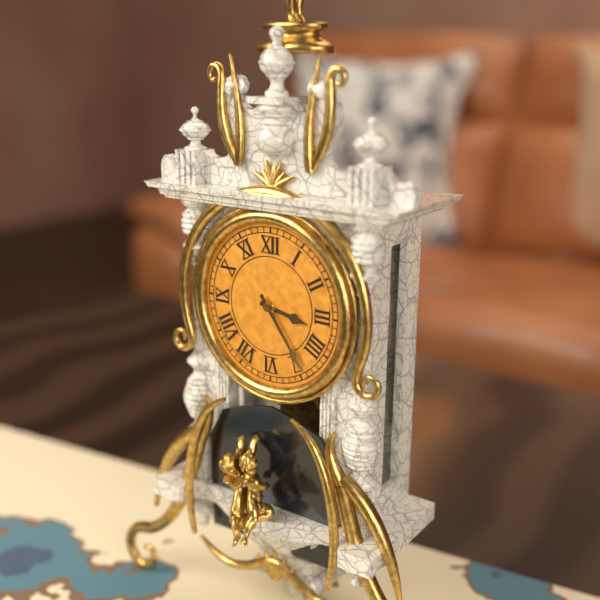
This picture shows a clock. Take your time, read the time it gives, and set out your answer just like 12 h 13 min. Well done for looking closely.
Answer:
3 h 24 min
